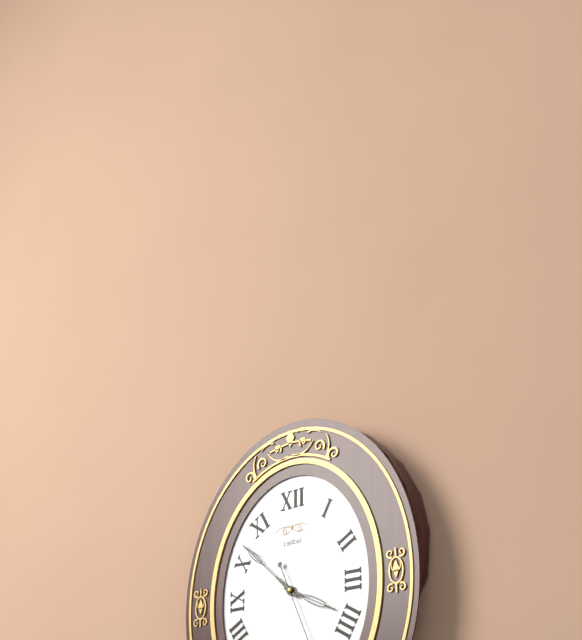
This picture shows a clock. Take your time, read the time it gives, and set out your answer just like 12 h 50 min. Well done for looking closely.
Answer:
3 h 52 min
